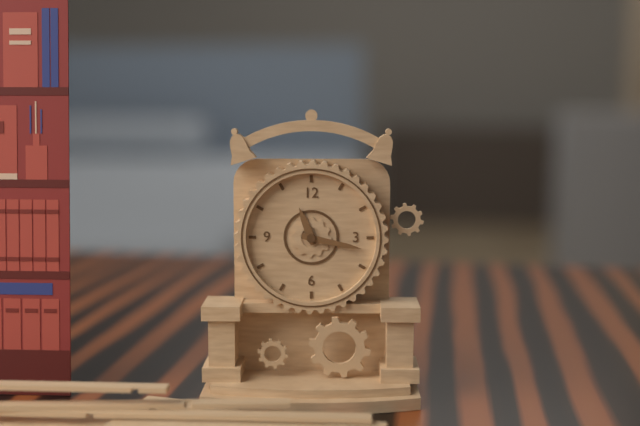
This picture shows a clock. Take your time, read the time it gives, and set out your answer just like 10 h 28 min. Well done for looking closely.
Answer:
11 h 17 min
